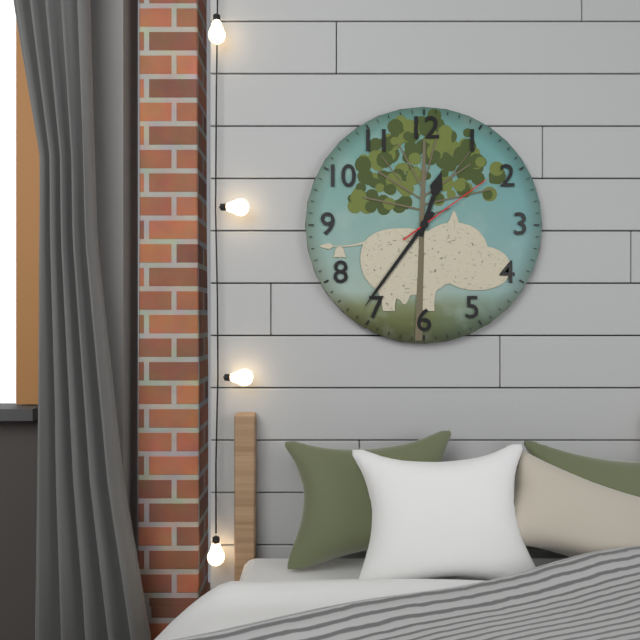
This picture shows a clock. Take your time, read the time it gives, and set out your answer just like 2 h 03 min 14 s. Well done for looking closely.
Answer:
12 h 36 min 09 s
